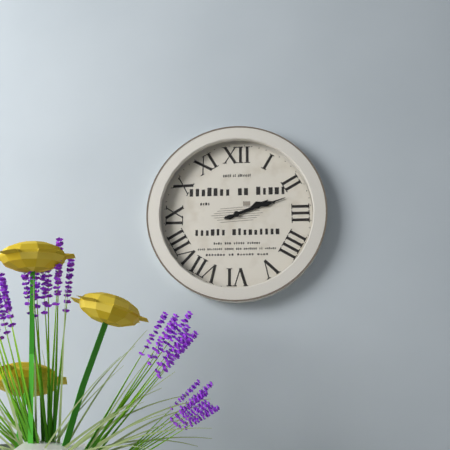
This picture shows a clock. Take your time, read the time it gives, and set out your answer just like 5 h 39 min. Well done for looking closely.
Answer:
2 h 12 min
